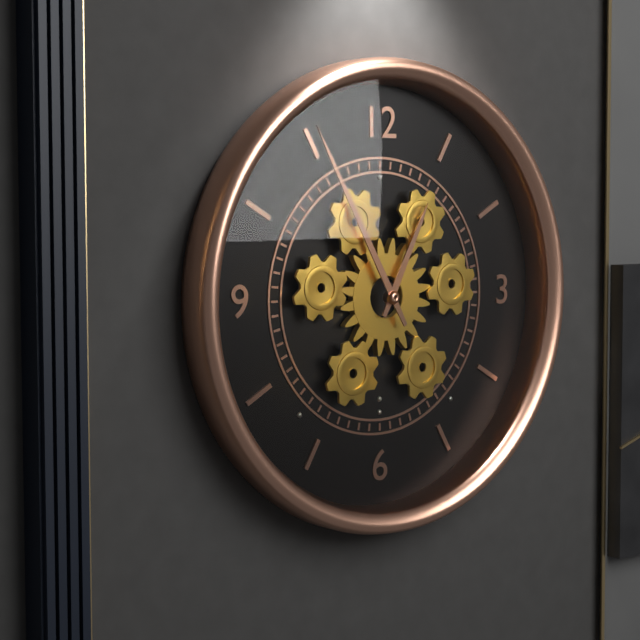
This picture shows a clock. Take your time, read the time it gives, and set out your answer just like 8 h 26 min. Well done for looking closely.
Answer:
12 h 55 min
